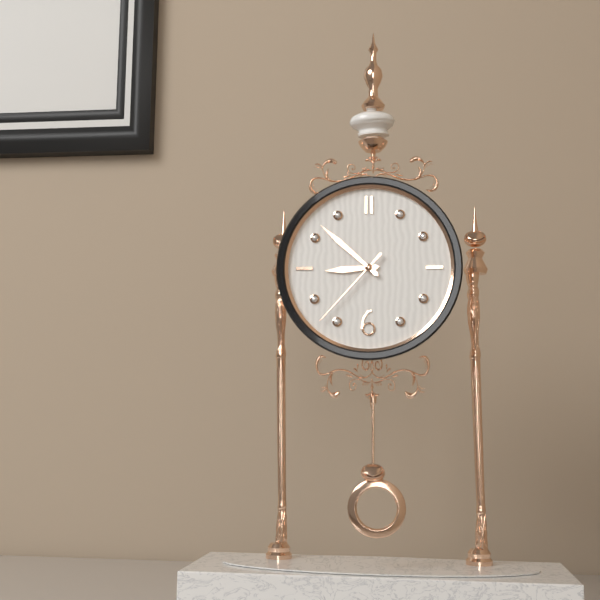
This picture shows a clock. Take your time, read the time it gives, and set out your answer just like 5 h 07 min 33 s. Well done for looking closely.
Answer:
8 h 52 min 37 s
